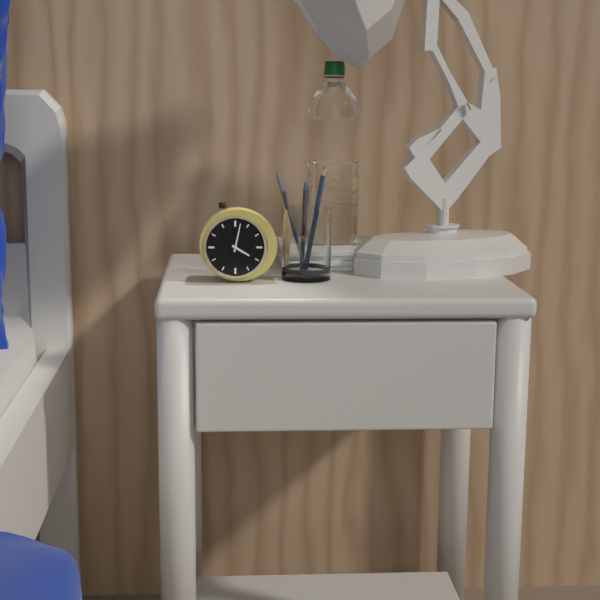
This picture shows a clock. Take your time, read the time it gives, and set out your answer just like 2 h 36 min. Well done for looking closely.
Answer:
4 h 02 min
